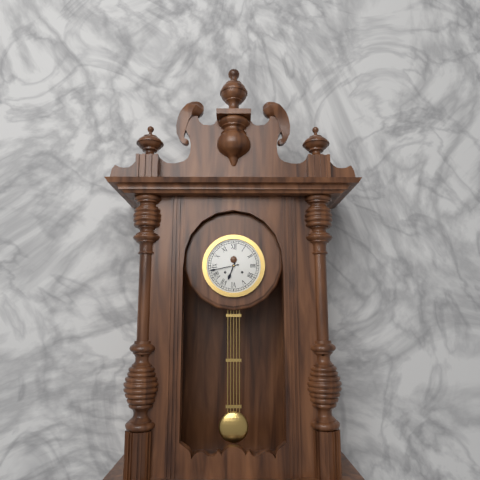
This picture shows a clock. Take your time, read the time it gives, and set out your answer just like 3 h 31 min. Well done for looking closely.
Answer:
6 h 43 min
